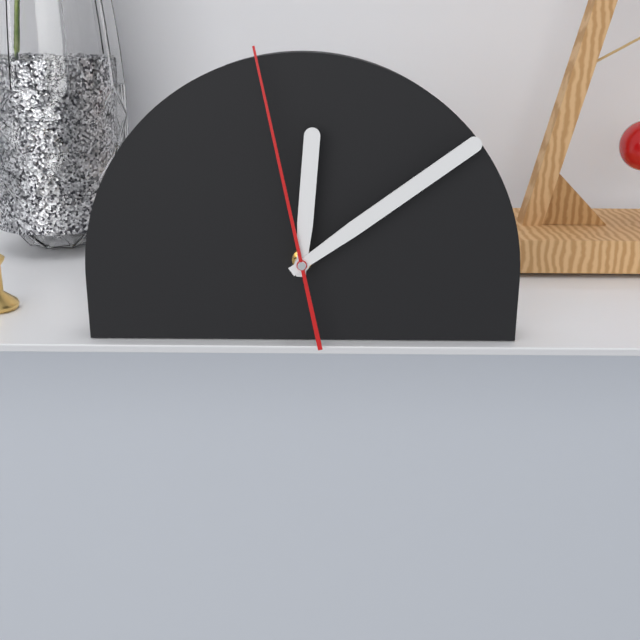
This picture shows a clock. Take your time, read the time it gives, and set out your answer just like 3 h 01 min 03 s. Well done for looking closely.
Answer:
12 h 09 min 58 s
